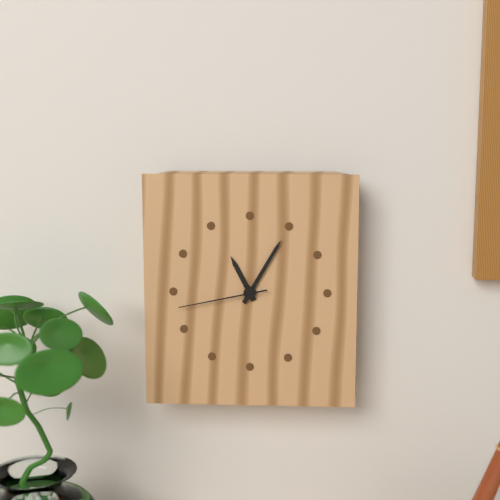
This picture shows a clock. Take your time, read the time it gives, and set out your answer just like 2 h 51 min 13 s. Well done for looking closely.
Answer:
11 h 05 min 43 s
